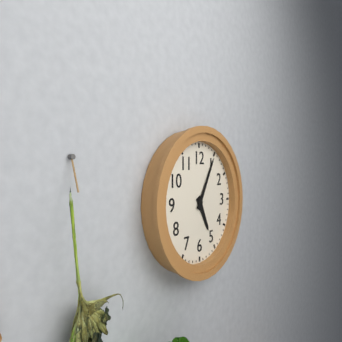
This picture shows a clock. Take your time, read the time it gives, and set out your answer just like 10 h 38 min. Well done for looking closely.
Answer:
5 h 05 min
